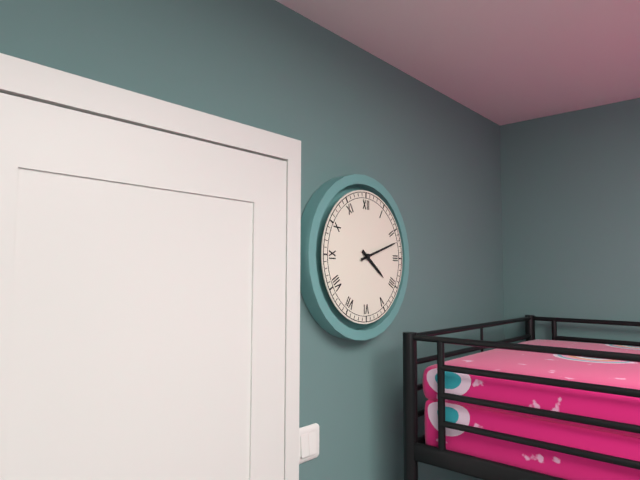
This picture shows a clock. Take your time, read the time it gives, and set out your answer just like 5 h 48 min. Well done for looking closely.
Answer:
4 h 12 min
